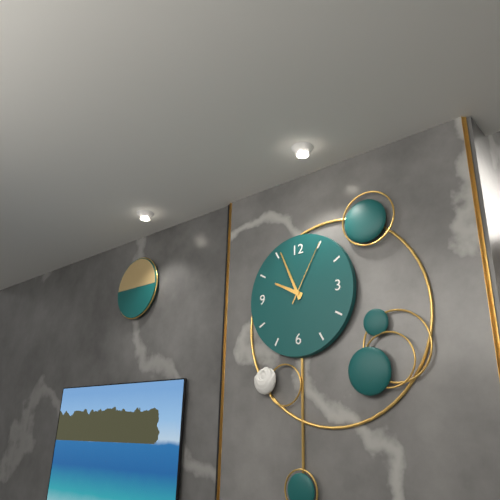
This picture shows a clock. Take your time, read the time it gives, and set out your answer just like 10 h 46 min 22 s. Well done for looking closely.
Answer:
9 h 56 min 05 s
